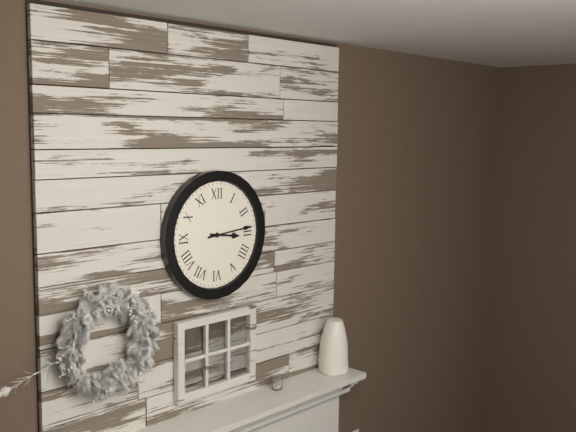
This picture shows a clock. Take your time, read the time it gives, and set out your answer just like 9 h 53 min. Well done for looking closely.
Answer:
3 h 14 min
